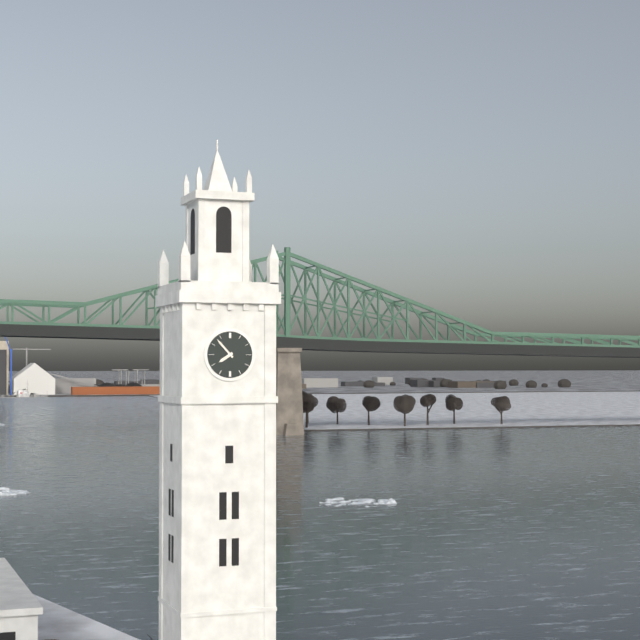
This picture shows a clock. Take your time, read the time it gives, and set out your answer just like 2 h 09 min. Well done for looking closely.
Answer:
7 h 53 min
